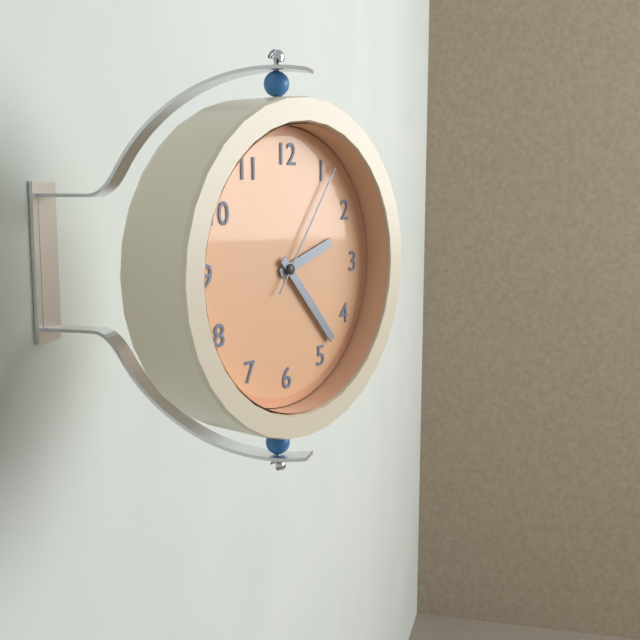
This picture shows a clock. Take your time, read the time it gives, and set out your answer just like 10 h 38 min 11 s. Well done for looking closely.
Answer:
2 h 23 min 06 s
